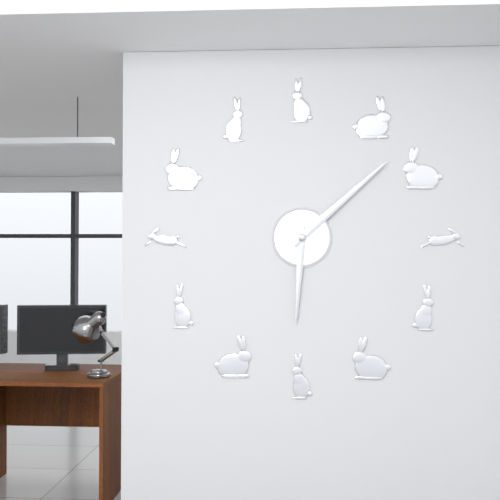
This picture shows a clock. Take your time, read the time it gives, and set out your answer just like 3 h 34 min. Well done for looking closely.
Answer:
6 h 08 min
